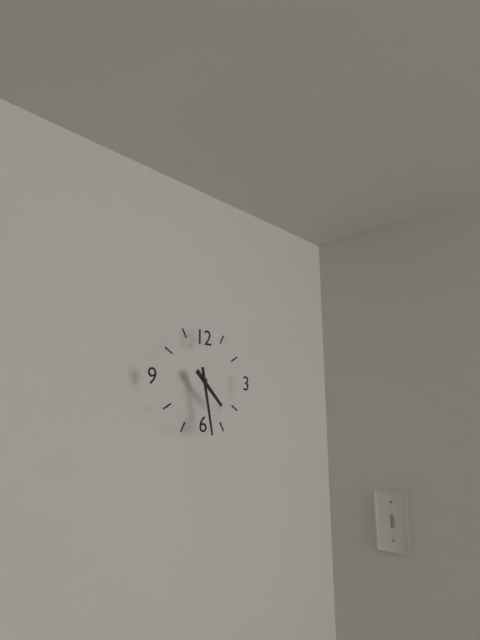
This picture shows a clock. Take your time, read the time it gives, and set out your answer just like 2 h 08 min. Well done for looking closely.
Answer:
4 h 28 min
